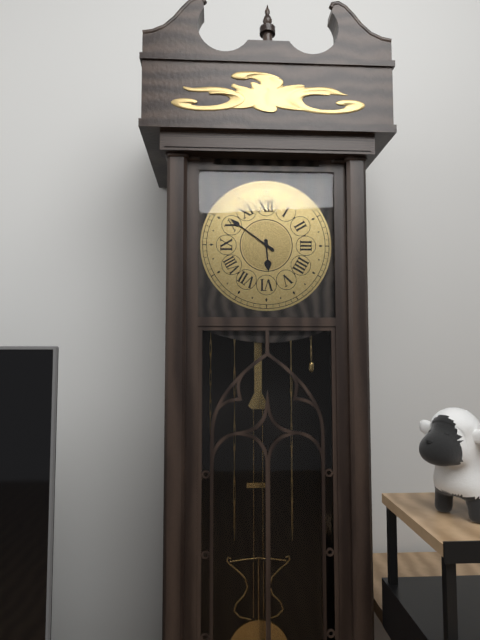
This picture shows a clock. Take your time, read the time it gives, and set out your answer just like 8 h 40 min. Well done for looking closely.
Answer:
5 h 51 min
